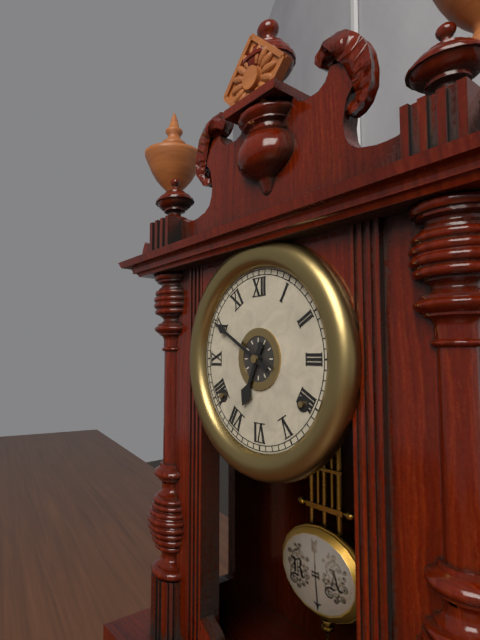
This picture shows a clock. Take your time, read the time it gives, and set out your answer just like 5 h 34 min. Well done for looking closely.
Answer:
6 h 50 min
